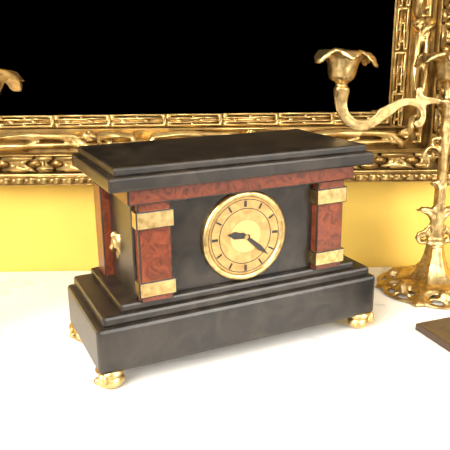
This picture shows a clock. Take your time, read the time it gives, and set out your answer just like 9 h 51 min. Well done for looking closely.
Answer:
9 h 22 min
